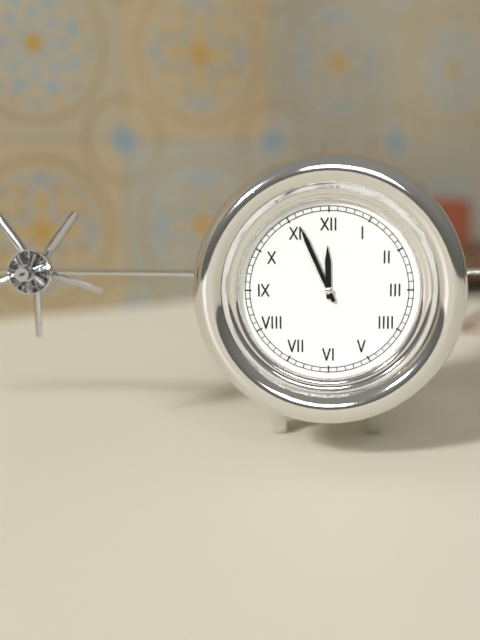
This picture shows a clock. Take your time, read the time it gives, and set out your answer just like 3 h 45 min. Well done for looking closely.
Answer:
11 h 56 min
